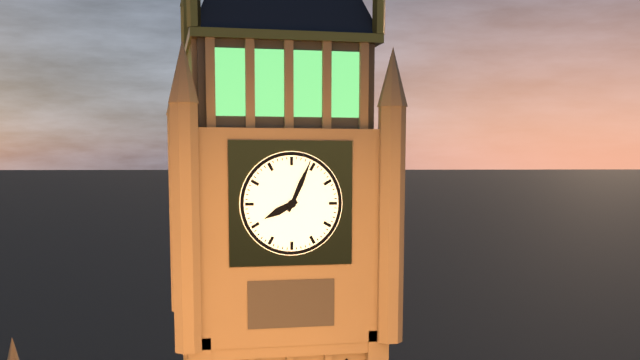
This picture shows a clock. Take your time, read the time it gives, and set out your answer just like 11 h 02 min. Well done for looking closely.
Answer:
8 h 04 min
